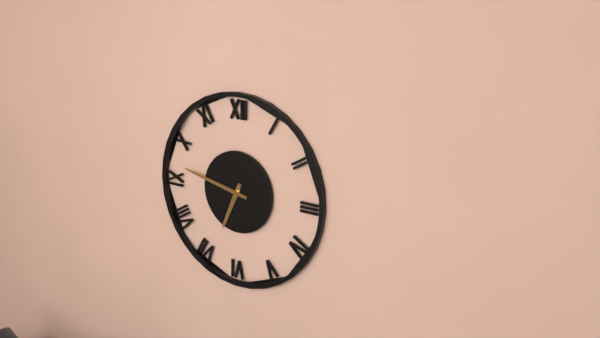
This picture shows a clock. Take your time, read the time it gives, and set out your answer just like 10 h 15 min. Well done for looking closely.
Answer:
6 h 47 min
